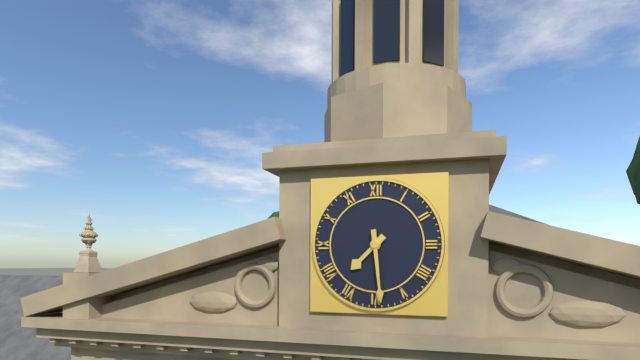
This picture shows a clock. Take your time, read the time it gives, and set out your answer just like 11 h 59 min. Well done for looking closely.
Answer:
7 h 29 min
